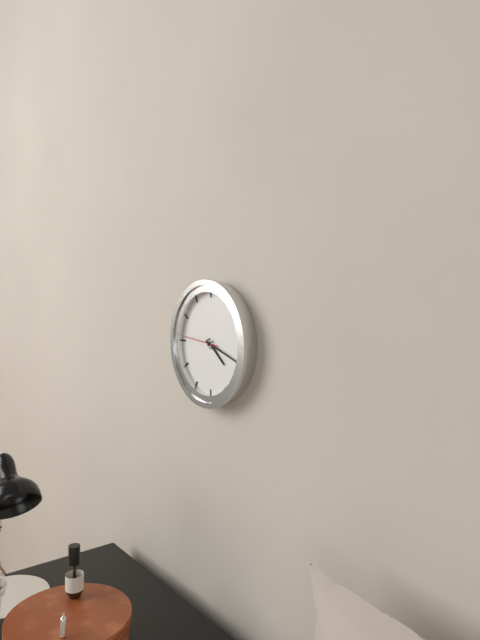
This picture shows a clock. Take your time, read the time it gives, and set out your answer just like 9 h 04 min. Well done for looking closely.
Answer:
4 h 18 min
